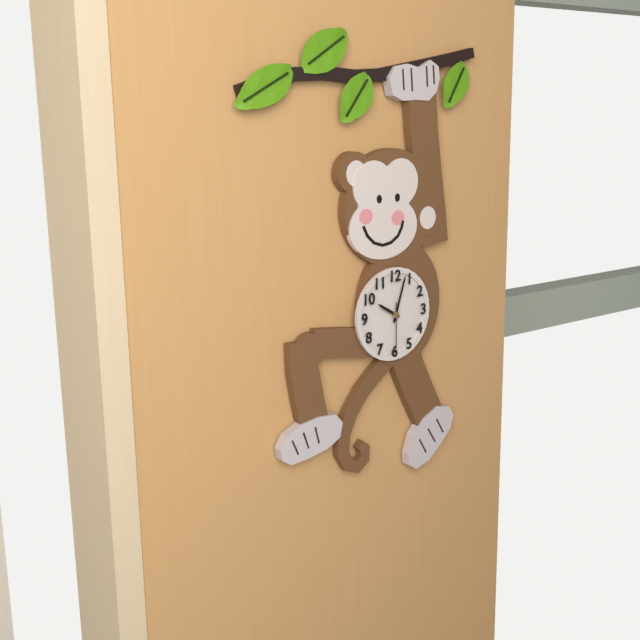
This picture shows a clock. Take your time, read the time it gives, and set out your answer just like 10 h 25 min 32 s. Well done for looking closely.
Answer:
10 h 03 min 30 s
